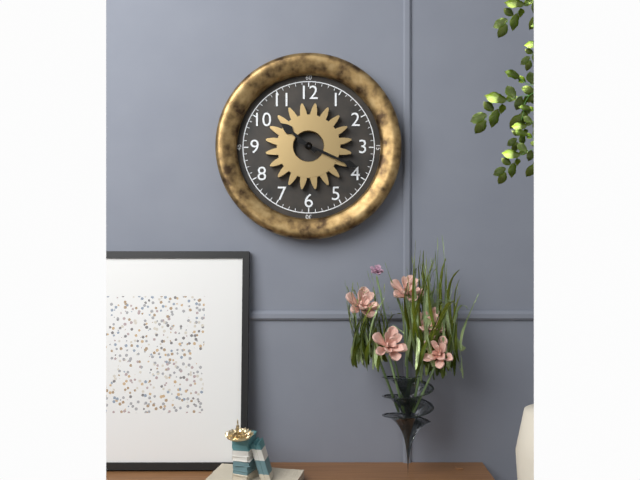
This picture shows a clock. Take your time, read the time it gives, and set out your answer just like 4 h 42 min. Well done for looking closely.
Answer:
10 h 19 min
